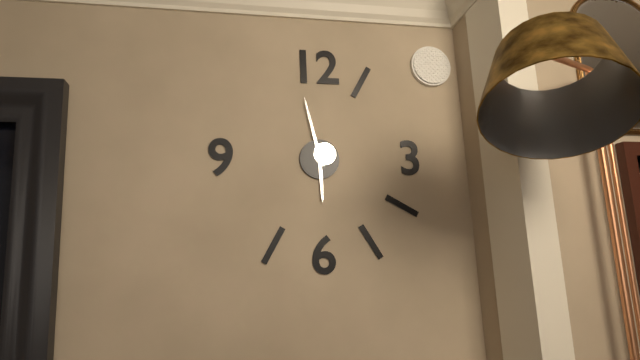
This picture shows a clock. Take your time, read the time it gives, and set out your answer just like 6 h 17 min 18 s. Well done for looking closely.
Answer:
5 h 58 min 58 s
